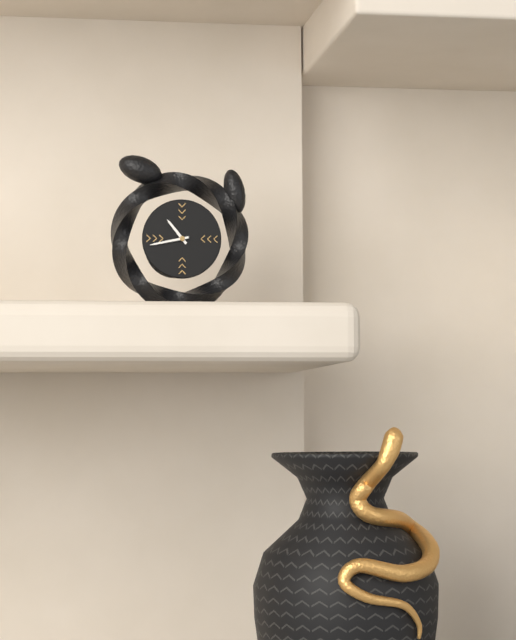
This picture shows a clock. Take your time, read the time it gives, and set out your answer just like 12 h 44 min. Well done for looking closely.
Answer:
10 h 43 min
